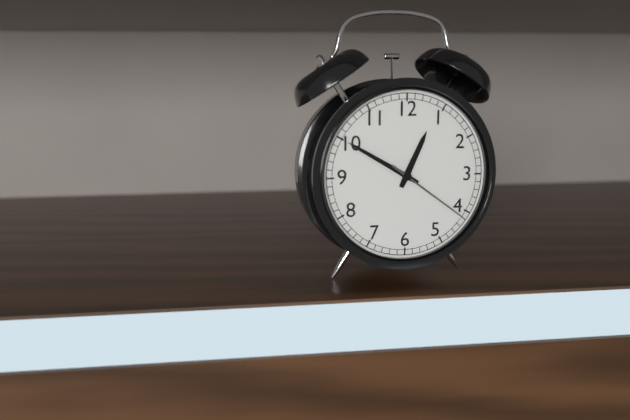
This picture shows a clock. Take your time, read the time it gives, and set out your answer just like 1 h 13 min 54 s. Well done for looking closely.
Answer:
12 h 50 min 21 s
